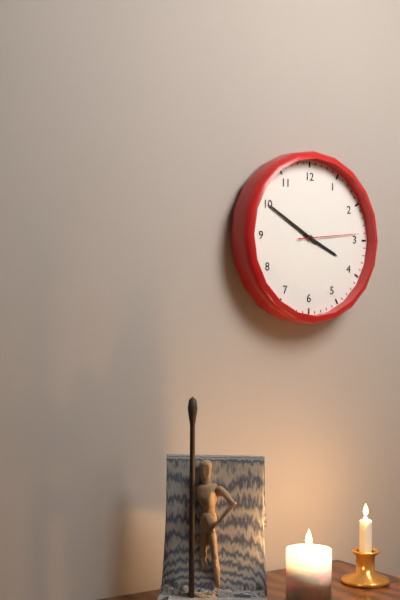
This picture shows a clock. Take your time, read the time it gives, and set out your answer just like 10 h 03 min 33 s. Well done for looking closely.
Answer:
3 h 50 min 14 s
